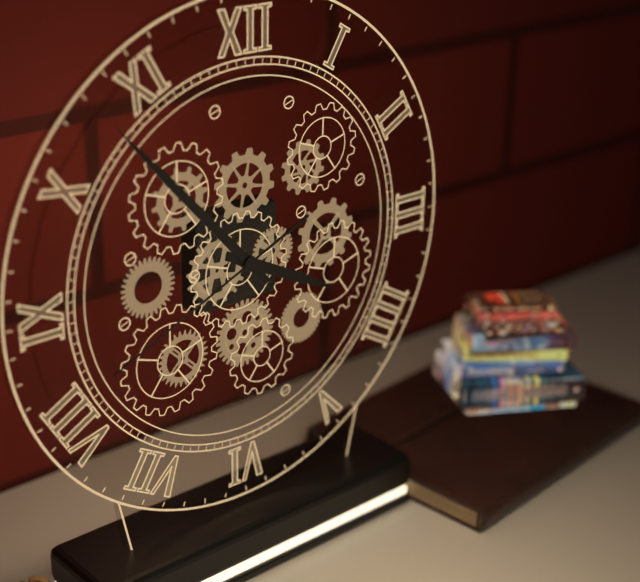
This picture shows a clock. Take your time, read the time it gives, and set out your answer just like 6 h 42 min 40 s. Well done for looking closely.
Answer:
3 h 53 min 41 s
